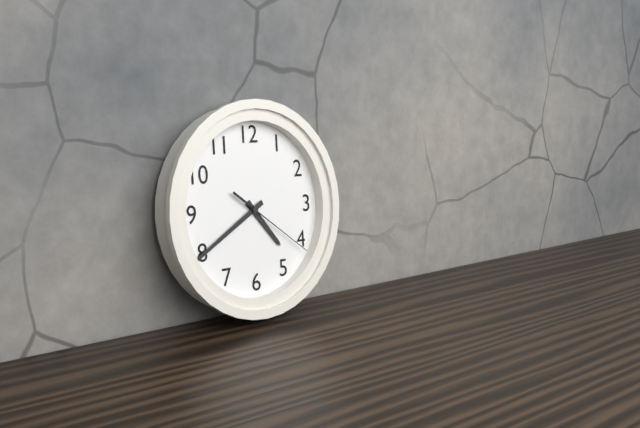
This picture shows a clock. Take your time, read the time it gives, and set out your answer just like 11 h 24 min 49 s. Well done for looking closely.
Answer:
4 h 40 min 21 s
